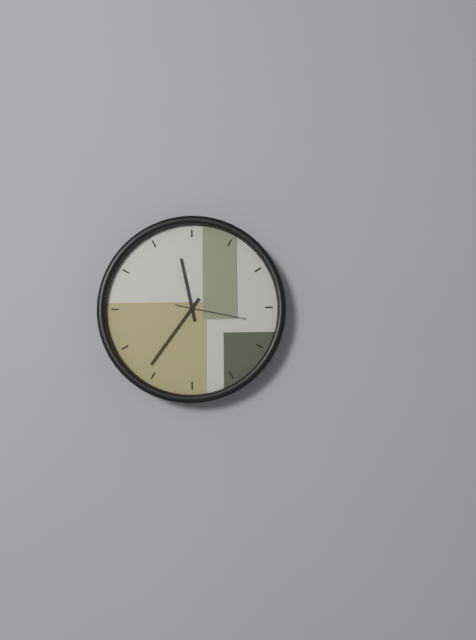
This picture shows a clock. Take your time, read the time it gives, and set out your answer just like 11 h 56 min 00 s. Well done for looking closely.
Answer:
11 h 36 min 17 s
